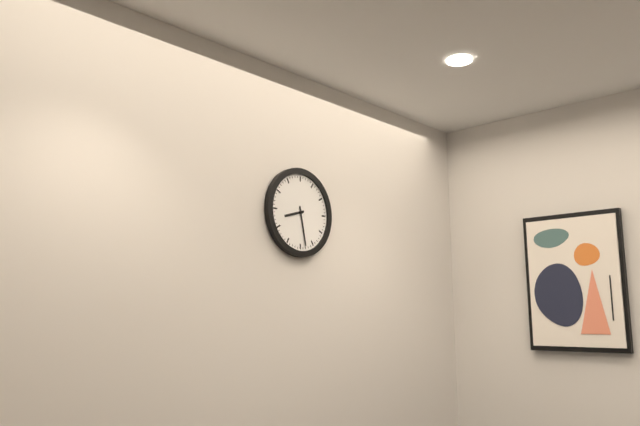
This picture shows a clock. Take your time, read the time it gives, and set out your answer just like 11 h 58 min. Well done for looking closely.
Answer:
8 h 28 min
